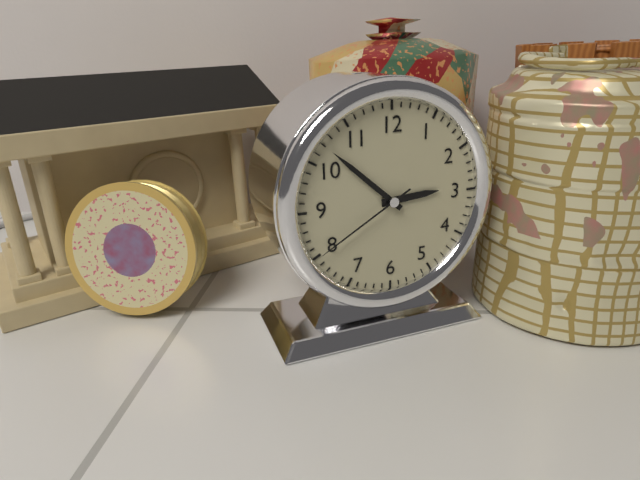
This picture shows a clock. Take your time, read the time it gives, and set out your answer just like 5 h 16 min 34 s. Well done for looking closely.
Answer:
2 h 52 min 40 s
